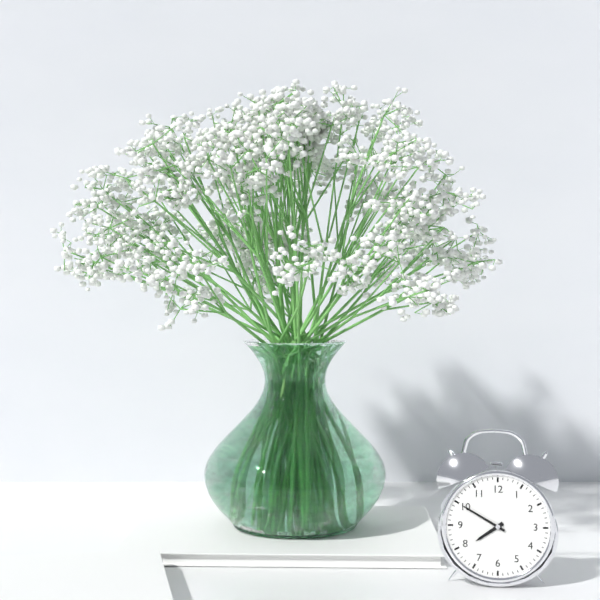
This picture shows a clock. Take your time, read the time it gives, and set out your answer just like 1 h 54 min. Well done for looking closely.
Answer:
7 h 50 min
